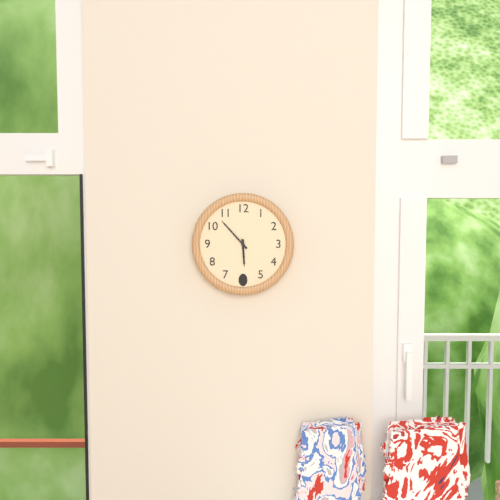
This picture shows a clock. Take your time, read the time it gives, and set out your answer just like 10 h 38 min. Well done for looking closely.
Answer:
5 h 53 min
